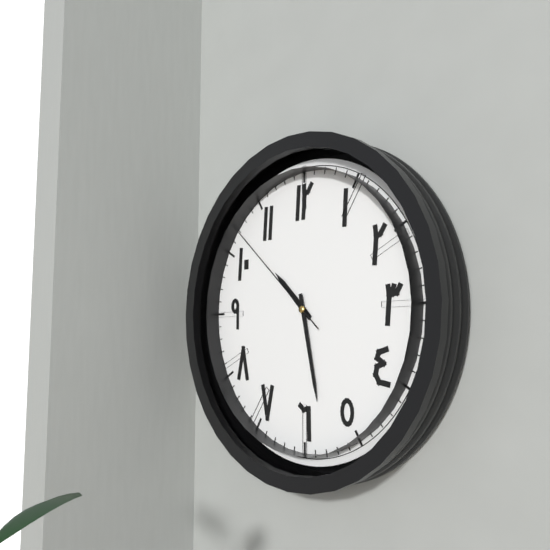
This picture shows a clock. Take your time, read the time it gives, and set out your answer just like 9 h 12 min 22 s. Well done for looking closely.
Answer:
10 h 28 min 52 s
